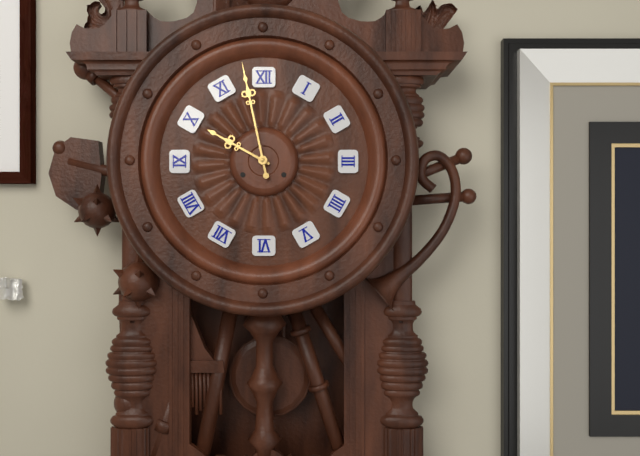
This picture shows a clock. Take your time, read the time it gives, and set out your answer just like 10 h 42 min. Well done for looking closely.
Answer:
9 h 58 min
